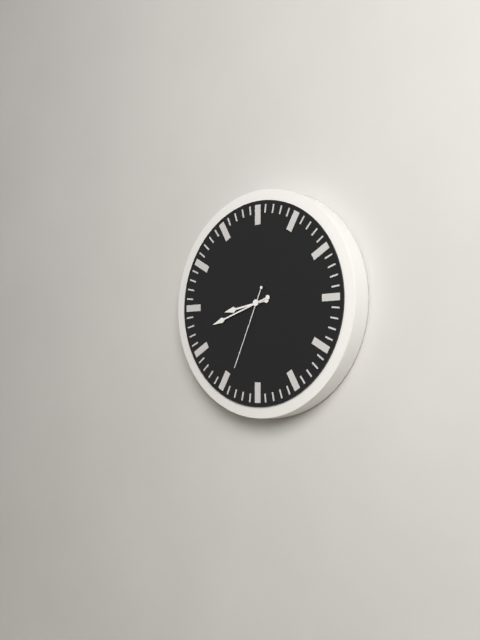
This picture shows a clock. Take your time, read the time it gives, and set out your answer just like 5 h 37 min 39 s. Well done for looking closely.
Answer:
8 h 42 min 34 s
